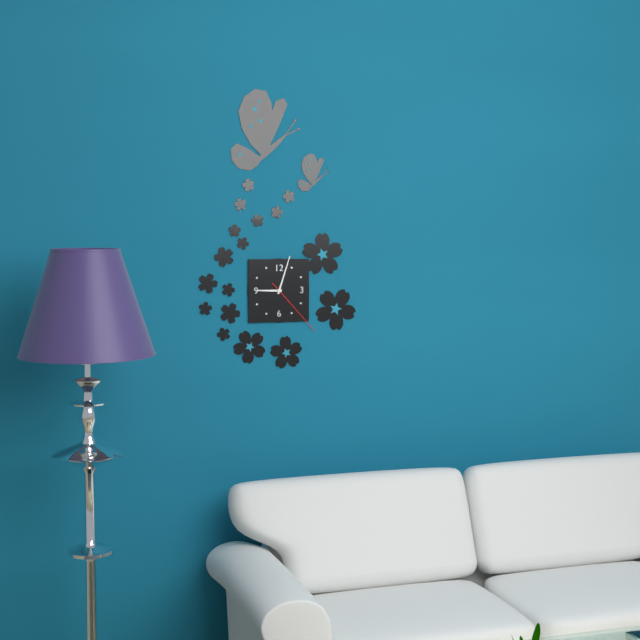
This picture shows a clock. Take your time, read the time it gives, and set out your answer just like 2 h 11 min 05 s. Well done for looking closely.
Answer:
9 h 03 min 23 s
